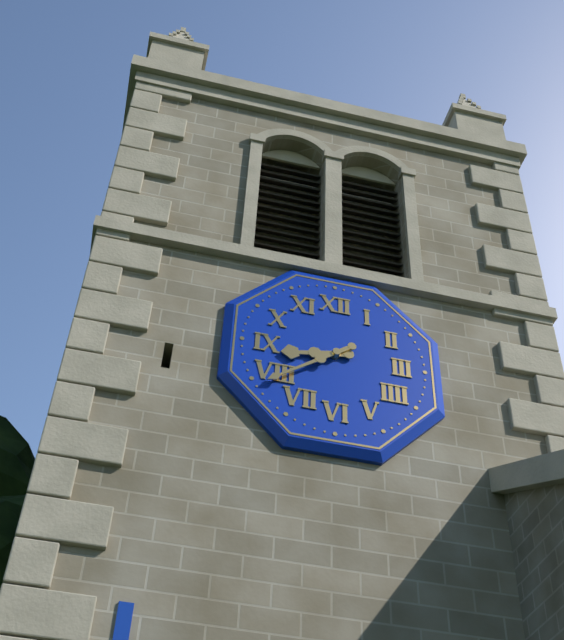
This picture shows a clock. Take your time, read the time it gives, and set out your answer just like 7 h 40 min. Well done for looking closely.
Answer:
8 h 39 min
